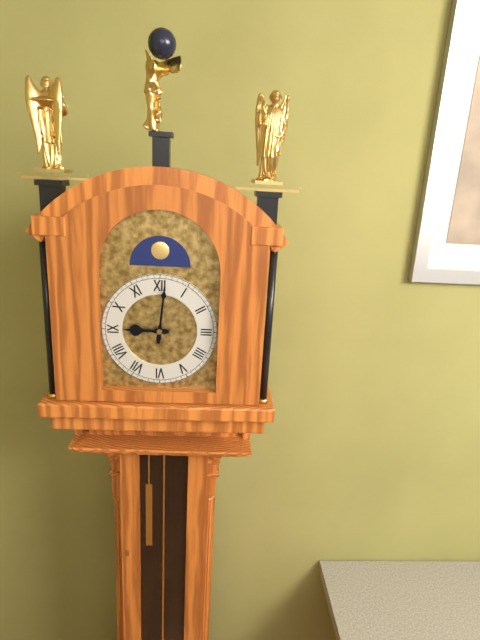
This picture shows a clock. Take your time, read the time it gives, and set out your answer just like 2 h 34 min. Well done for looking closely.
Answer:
9 h 01 min
